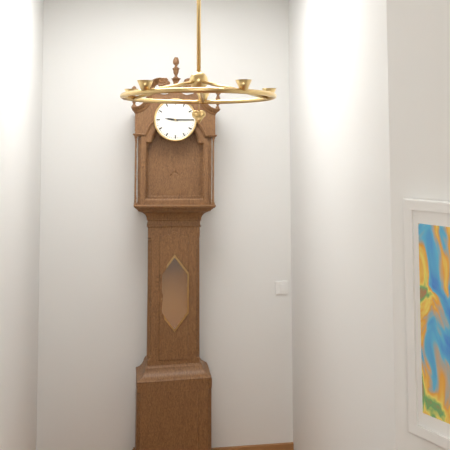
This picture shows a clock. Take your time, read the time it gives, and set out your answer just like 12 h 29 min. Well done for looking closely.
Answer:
9 h 15 min
